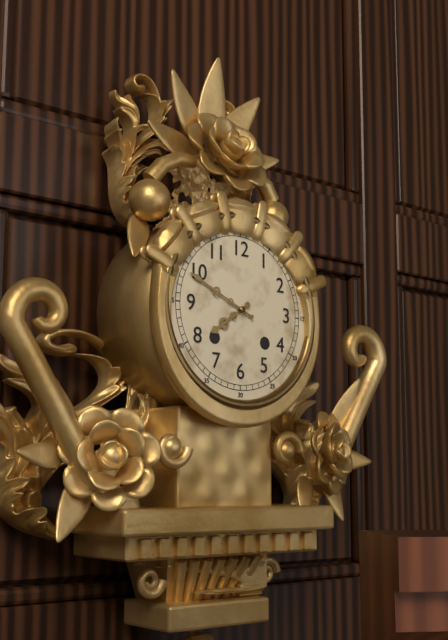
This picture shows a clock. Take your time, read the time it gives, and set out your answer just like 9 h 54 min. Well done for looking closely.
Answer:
7 h 49 min
